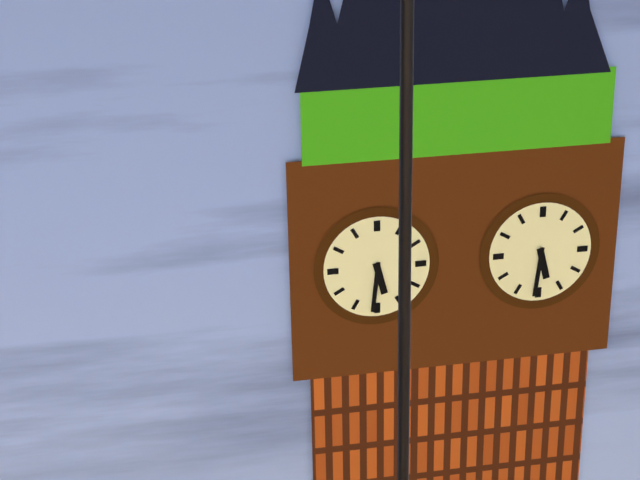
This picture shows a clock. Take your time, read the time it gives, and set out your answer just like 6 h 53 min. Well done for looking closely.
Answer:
5 h 31 min
